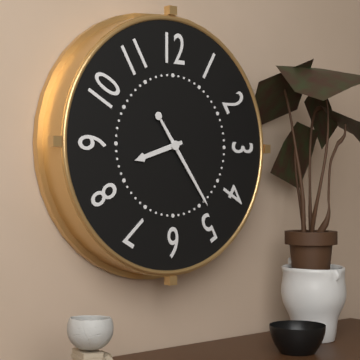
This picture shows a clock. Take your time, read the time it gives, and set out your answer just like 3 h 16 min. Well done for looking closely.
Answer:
8 h 24 min
